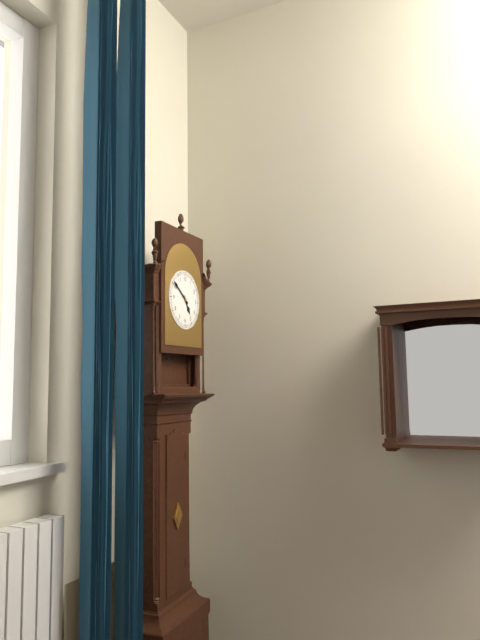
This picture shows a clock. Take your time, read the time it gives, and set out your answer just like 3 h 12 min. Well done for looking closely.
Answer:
4 h 51 min
